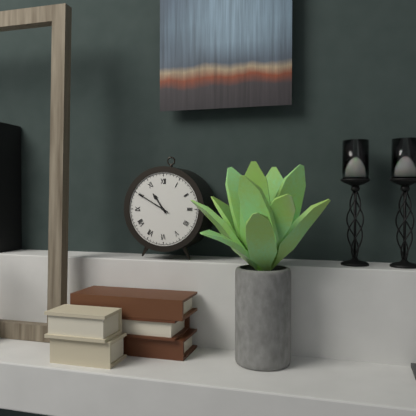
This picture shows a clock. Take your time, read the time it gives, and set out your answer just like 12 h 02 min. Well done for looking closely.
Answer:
10 h 50 min
